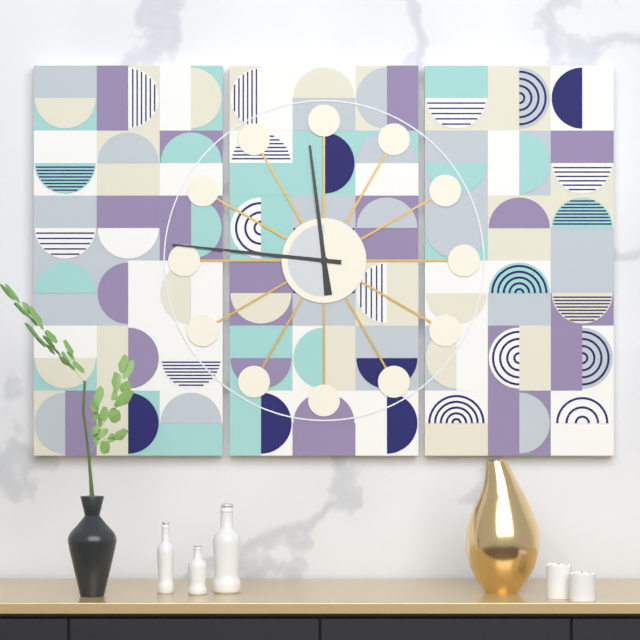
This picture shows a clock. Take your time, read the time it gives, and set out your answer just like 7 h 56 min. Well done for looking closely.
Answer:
11 h 46 min
